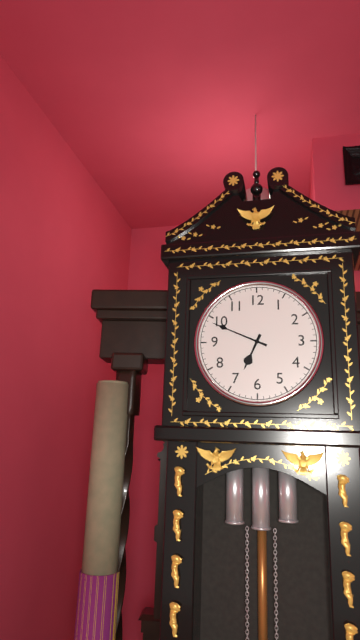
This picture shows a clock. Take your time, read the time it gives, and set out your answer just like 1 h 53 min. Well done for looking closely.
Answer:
6 h 49 min
